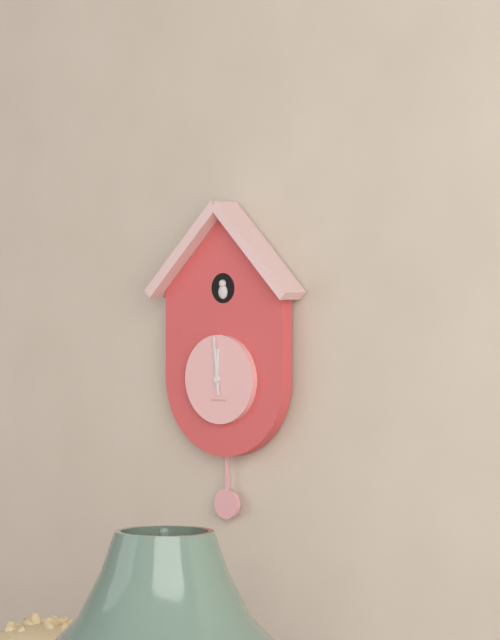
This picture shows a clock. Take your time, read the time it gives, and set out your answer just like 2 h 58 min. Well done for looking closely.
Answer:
11 h 59 min
